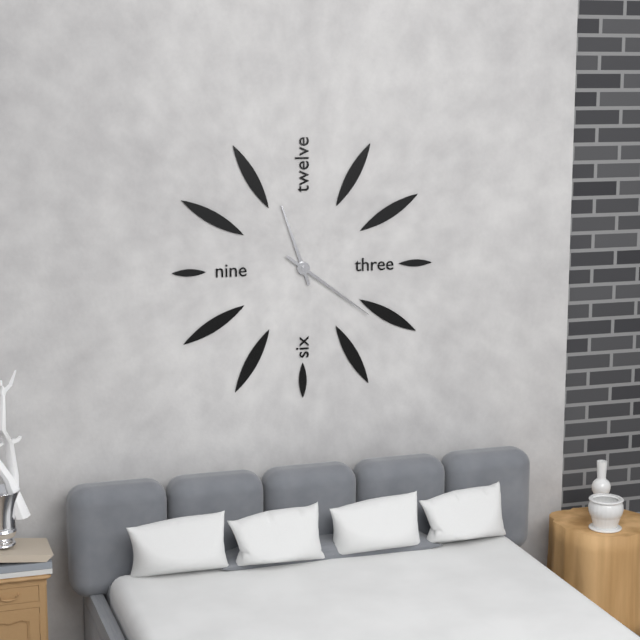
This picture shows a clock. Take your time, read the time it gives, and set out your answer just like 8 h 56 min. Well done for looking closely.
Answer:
11 h 21 min
